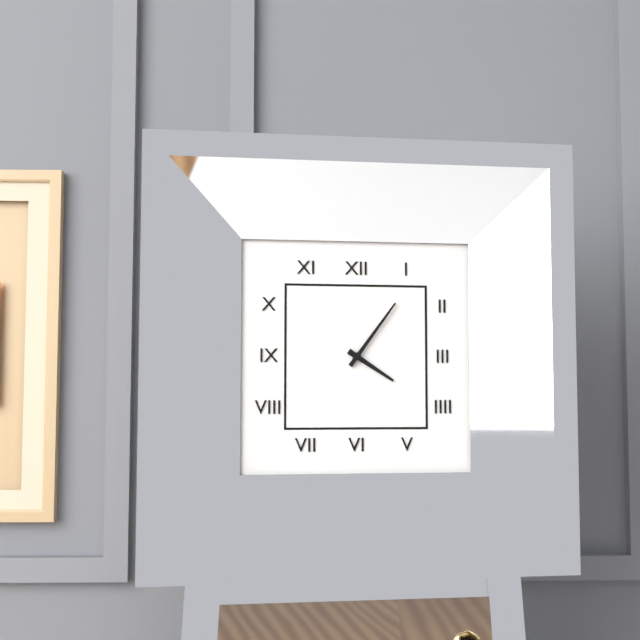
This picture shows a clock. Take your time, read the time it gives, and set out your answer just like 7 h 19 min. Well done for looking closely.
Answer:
4 h 06 min
